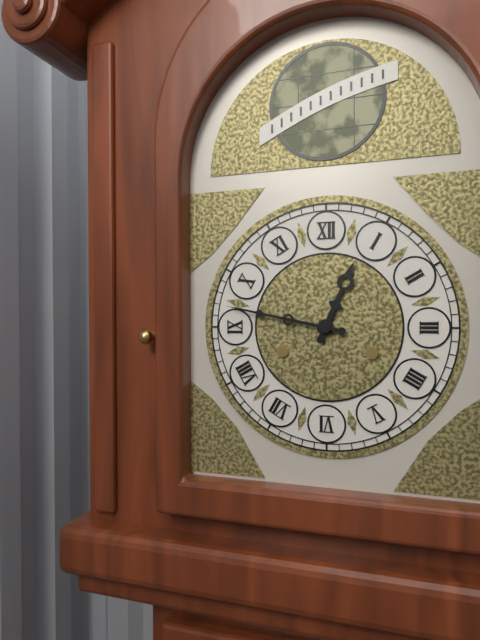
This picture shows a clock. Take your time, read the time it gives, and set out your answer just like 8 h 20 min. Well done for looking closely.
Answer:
12 h 47 min
